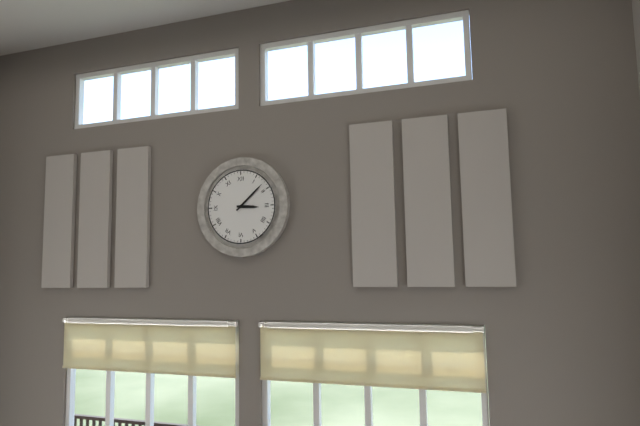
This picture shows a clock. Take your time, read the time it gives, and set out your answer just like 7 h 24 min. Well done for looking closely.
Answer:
3 h 08 min
